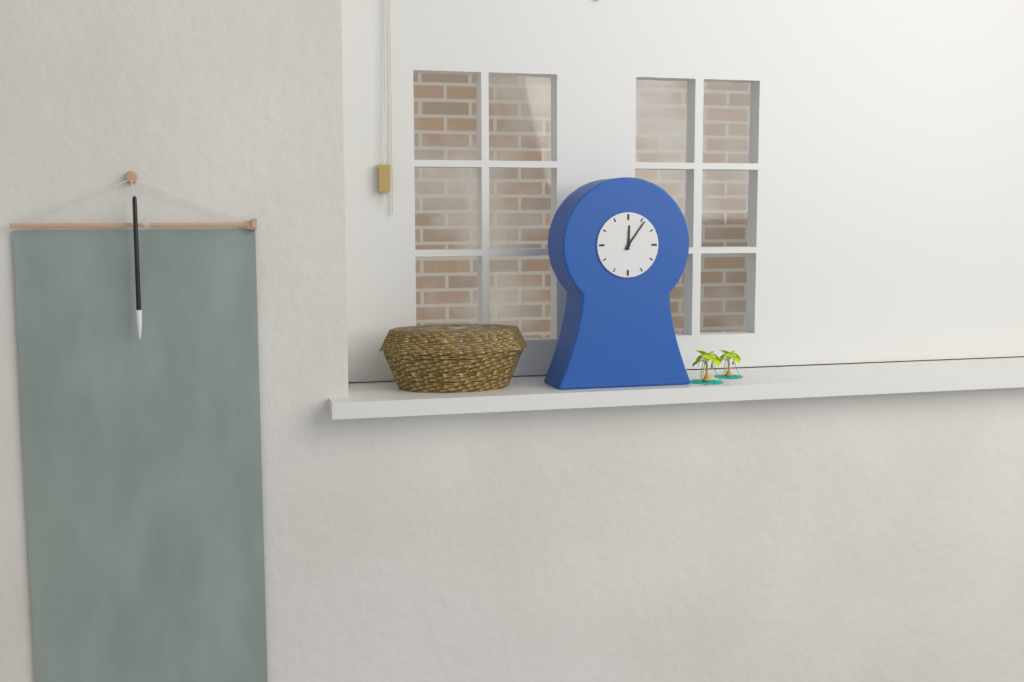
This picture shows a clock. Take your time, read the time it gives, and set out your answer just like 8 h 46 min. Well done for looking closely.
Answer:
12 h 06 min
